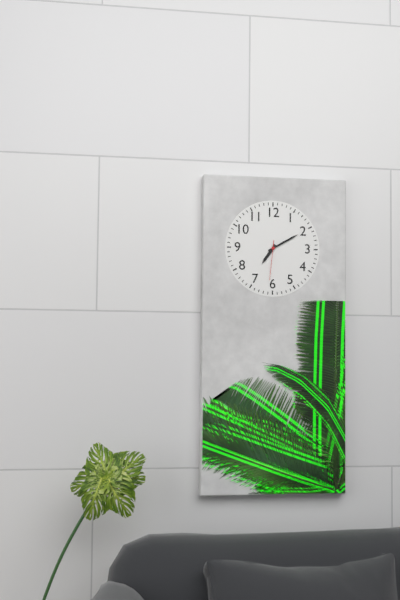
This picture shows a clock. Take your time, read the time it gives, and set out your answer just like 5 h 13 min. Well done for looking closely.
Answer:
7 h 10 min
